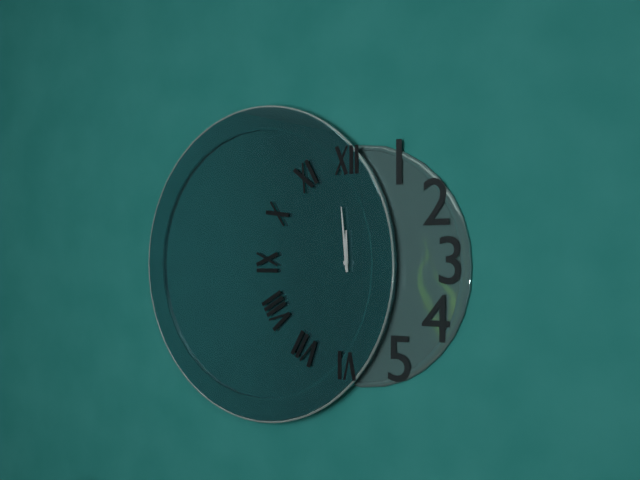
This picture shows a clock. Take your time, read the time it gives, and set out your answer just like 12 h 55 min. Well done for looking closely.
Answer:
11 h 59 min
